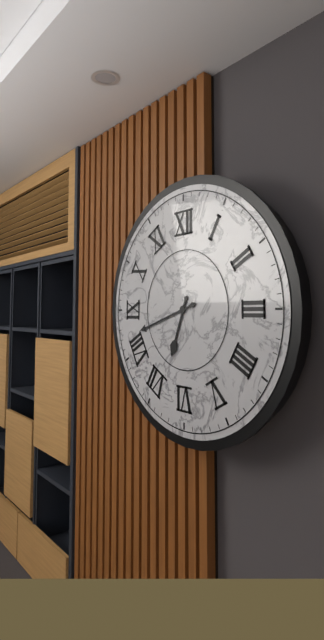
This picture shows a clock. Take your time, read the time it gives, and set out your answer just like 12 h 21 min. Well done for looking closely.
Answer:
6 h 42 min
